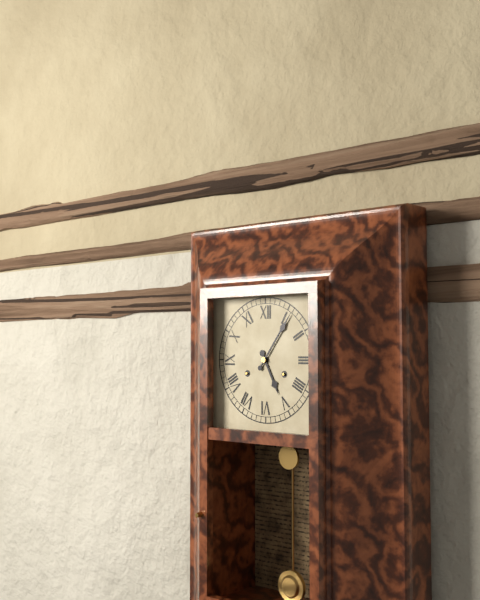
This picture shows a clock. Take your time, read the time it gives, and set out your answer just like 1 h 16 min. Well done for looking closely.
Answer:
5 h 06 min
